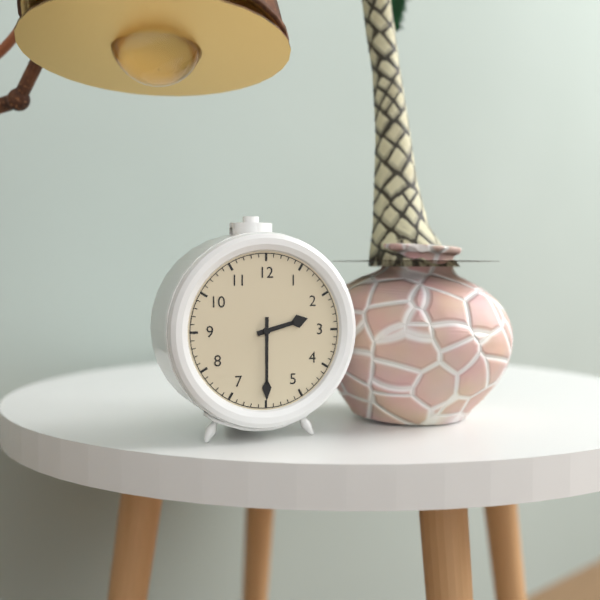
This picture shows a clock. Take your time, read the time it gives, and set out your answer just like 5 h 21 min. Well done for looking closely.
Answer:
2 h 30 min
